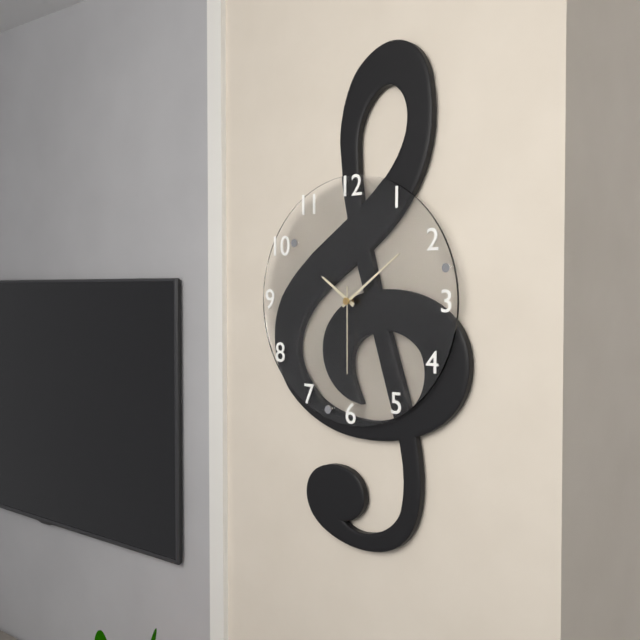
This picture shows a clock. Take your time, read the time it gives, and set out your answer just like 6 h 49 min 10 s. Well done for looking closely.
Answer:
10 h 09 min 30 s
